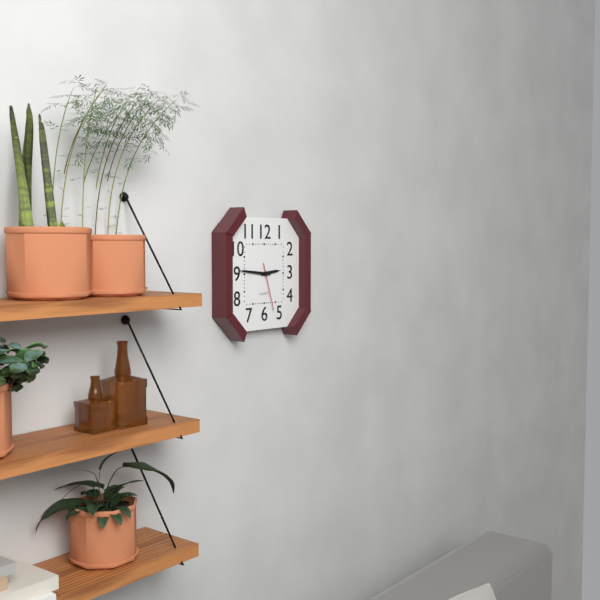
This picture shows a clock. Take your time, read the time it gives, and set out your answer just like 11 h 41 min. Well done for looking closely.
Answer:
2 h 46 min
